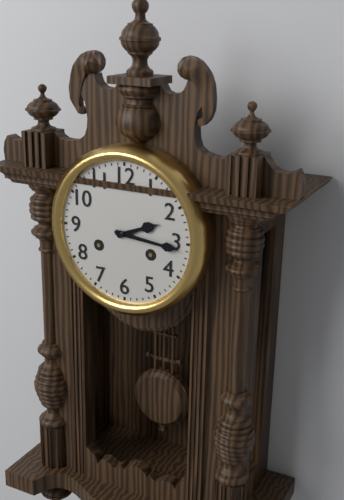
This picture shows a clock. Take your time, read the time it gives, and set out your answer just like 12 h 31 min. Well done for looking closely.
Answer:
2 h 16 min
